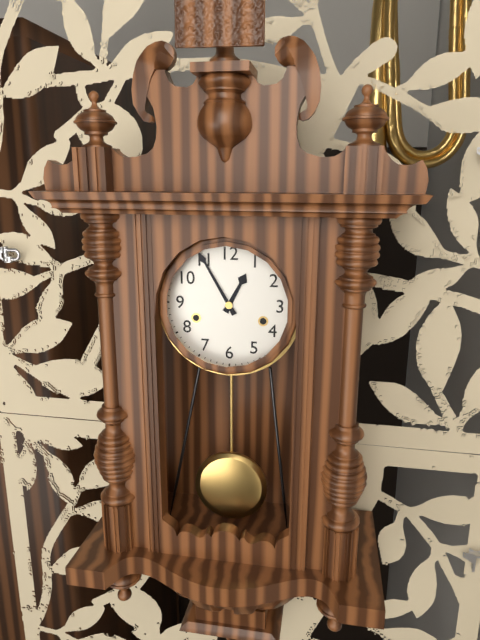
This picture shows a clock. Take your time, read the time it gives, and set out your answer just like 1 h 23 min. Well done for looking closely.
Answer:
12 h 55 min
